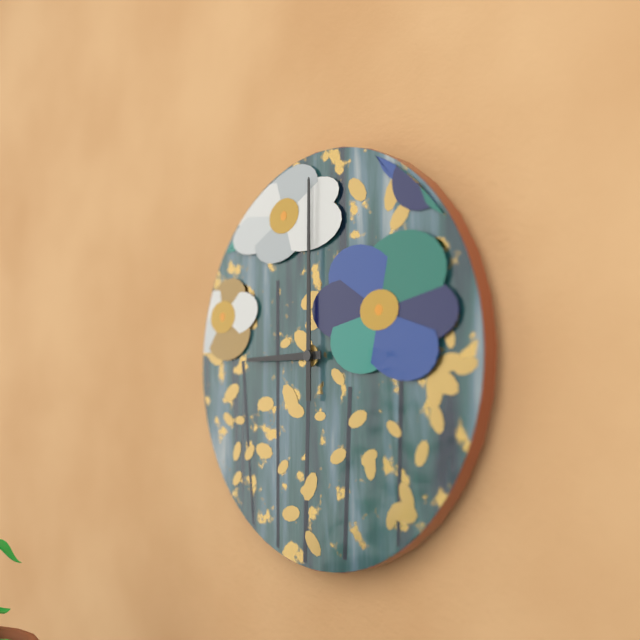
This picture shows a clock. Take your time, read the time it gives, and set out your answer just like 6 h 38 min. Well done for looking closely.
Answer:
9 h 00 min
